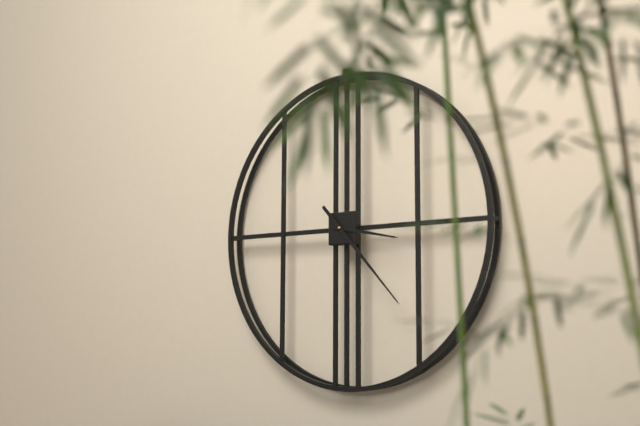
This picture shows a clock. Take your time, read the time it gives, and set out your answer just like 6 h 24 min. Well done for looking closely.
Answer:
3 h 23 min
